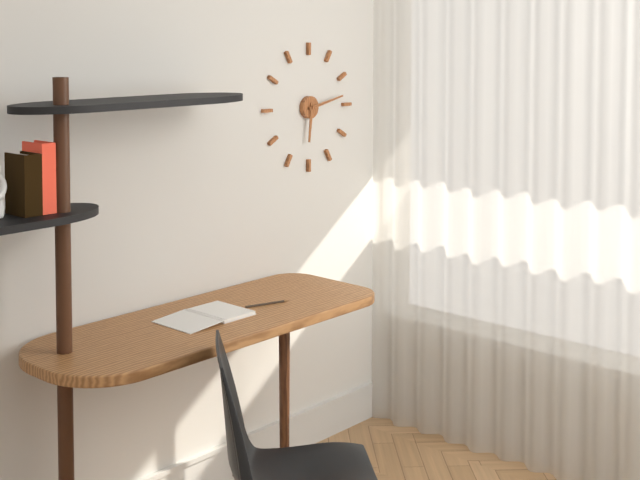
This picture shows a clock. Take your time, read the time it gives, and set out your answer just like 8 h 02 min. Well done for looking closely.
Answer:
6 h 13 min
